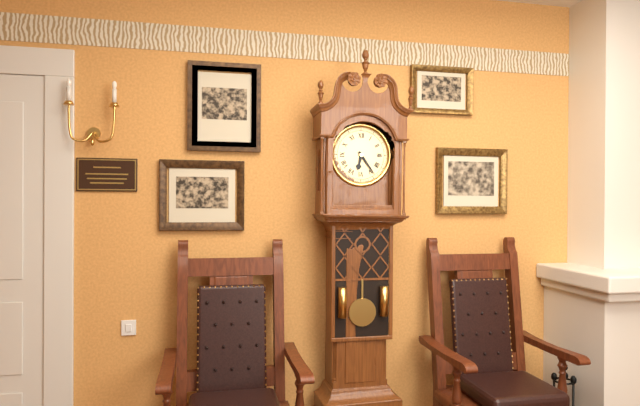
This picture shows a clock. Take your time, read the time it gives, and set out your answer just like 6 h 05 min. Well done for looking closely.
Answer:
6 h 24 min
